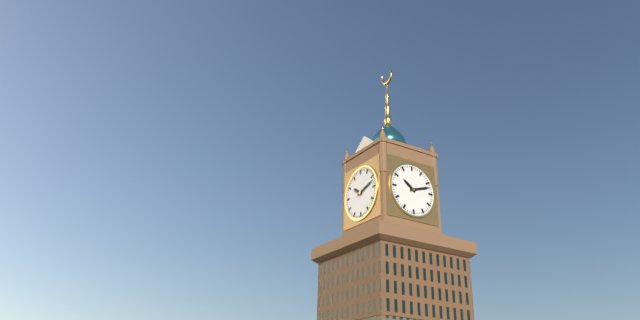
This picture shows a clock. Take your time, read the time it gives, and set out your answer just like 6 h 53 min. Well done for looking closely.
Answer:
10 h 12 min
